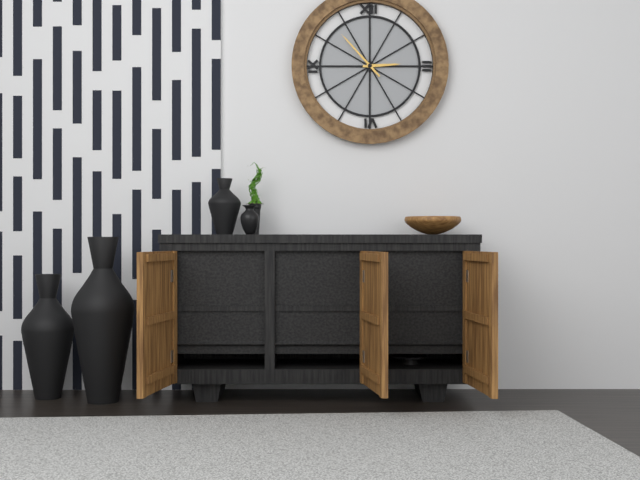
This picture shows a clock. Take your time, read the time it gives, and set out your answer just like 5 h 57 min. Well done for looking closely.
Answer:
2 h 53 min
